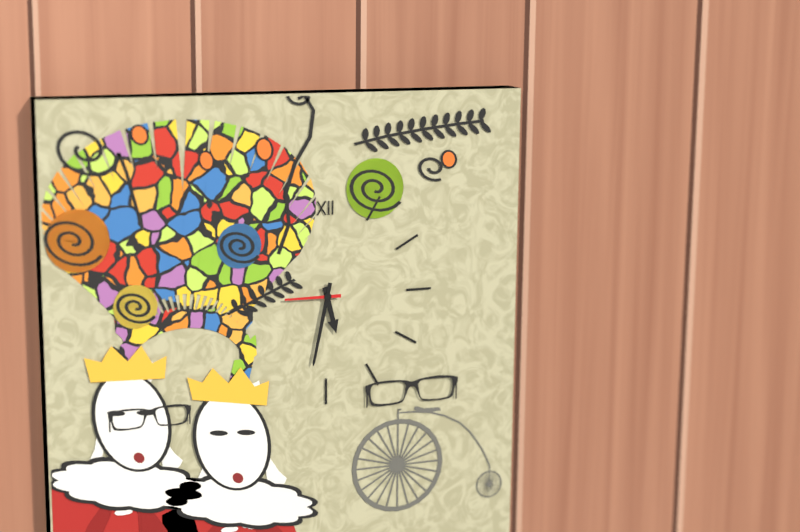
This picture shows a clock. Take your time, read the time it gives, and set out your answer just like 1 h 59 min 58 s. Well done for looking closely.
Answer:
5 h 32 min 45 s
